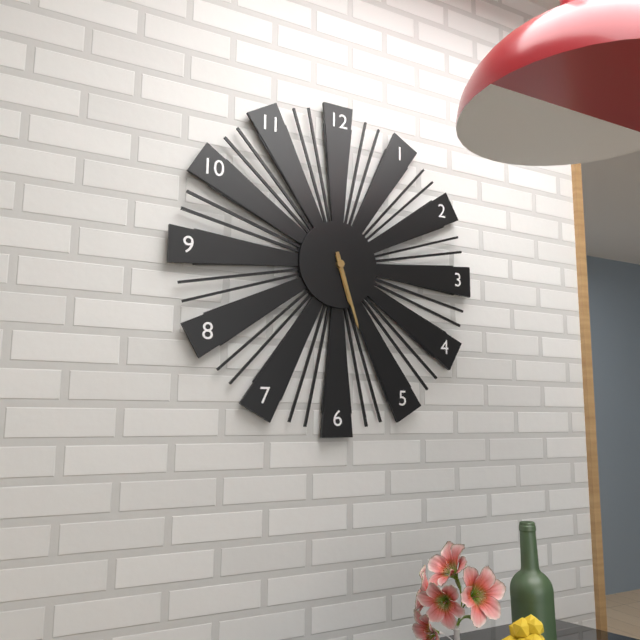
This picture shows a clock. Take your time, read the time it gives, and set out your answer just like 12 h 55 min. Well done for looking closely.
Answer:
5 h 27 min
